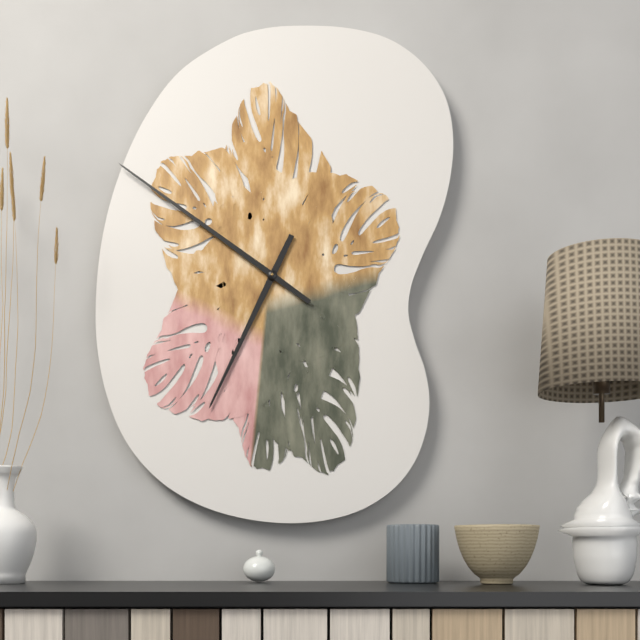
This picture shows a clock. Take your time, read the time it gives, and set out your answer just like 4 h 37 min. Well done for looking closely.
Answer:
6 h 51 min
